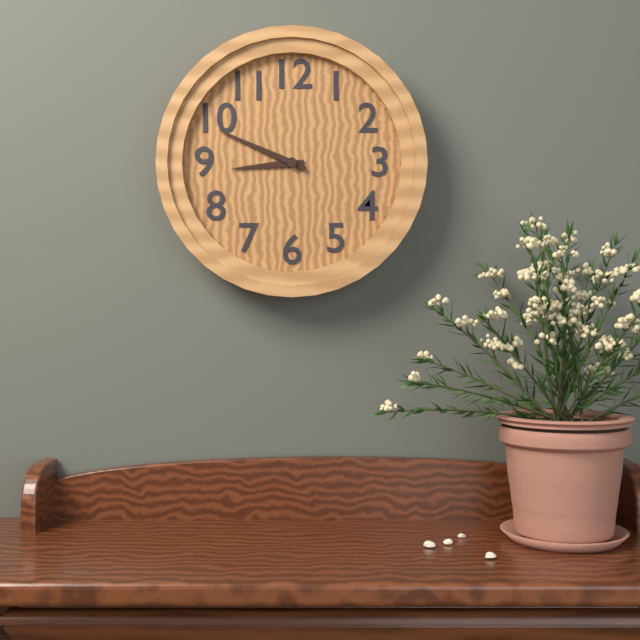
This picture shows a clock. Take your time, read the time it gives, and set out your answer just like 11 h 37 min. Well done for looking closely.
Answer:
8 h 49 min
